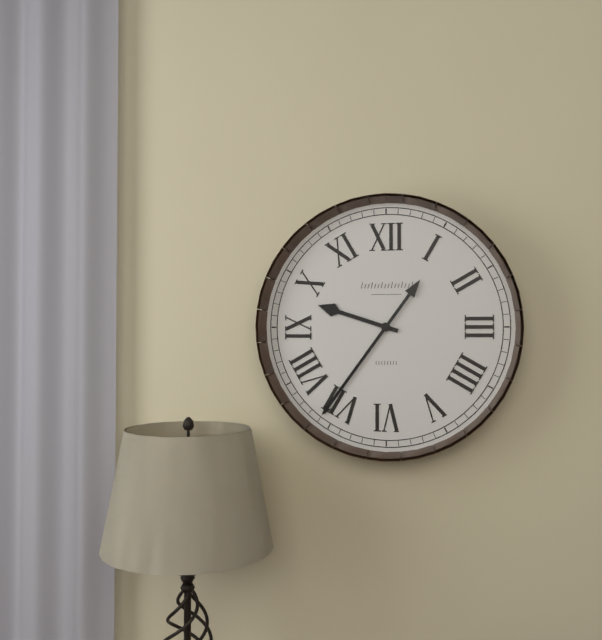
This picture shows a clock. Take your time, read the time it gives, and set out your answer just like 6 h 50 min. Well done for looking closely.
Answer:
9 h 36 min
